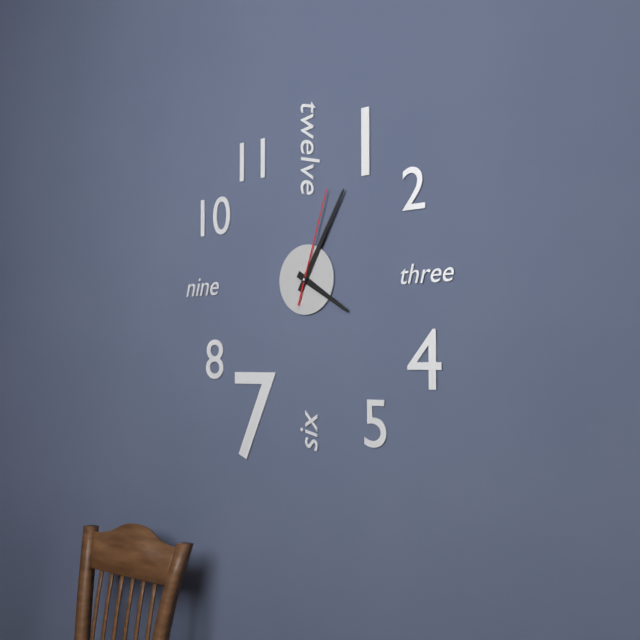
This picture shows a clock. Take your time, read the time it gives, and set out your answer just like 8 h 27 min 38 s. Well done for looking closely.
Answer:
4 h 05 min 03 s
